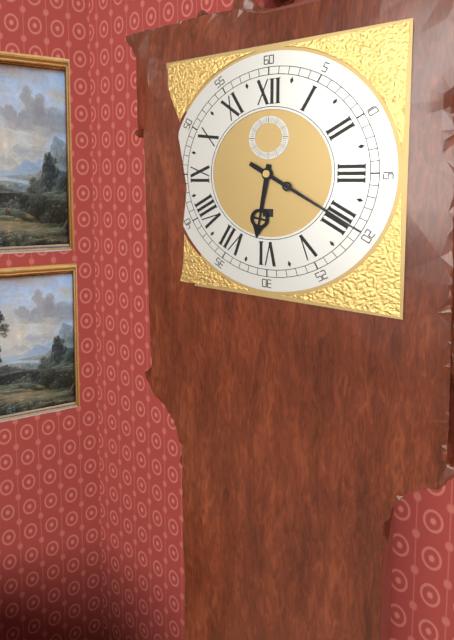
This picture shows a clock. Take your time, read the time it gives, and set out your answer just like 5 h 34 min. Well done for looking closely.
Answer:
6 h 20 min
